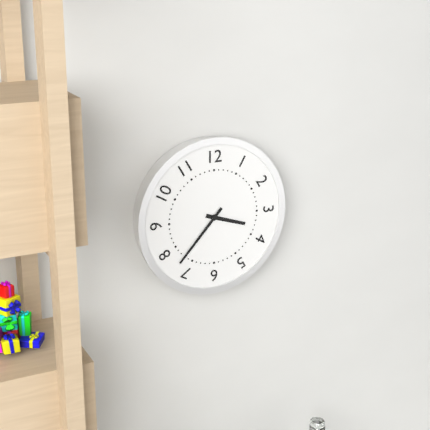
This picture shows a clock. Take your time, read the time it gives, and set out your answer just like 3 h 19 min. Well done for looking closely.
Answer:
3 h 37 min
